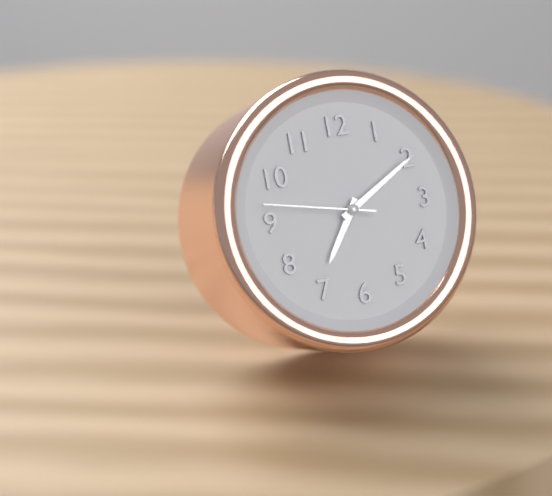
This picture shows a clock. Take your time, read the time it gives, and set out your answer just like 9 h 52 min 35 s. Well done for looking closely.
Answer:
7 h 10 min 47 s
